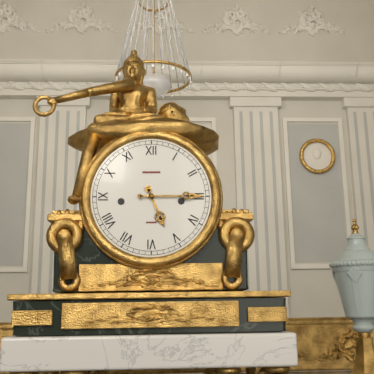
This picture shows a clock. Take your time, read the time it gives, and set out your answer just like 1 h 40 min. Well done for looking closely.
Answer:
5 h 15 min
